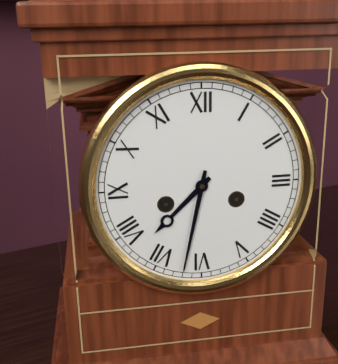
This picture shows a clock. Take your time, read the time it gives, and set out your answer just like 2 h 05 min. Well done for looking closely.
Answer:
7 h 32 min
